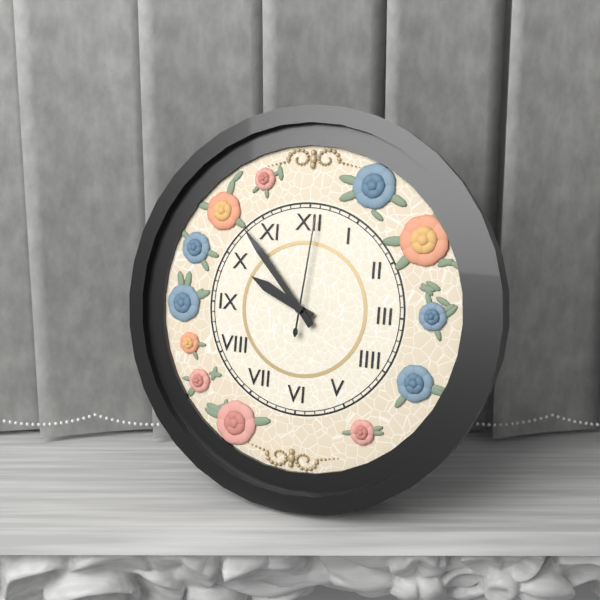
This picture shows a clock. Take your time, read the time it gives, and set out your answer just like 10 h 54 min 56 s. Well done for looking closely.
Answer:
9 h 53 min 01 s
